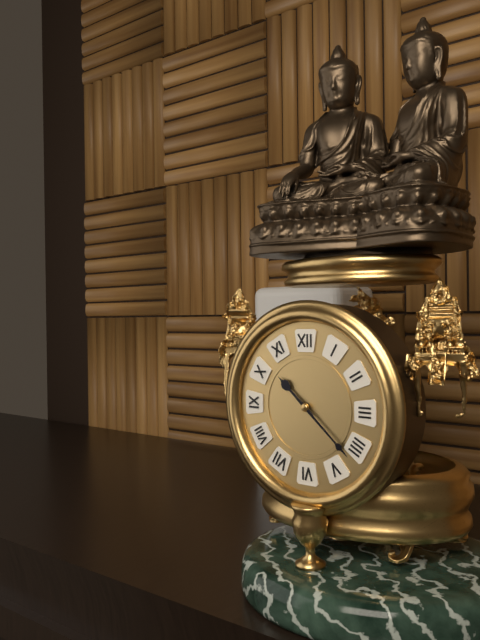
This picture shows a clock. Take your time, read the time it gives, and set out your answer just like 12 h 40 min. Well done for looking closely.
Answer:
10 h 22 min
